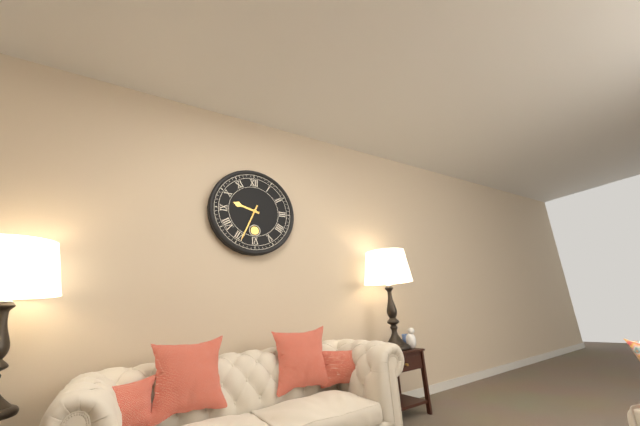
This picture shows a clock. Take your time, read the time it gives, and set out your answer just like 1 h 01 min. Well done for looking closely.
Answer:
9 h 34 min
